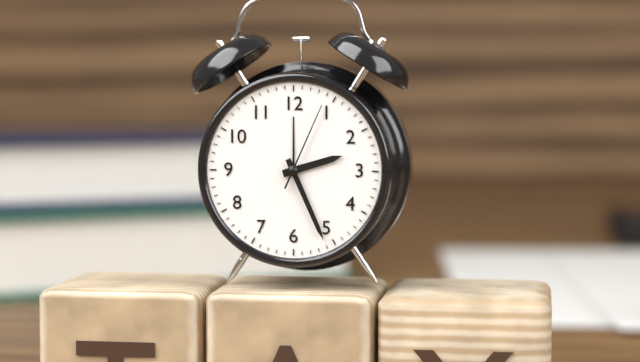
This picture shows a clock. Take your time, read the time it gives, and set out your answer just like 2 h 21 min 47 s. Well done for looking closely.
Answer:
2 h 26 min 04 s
